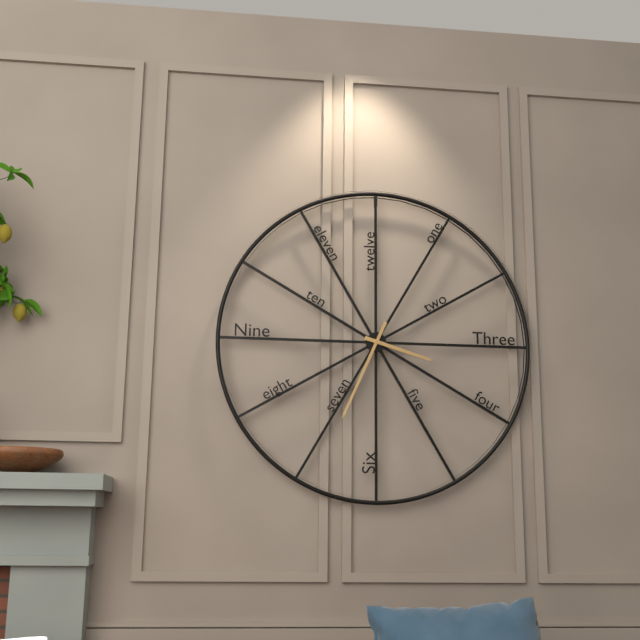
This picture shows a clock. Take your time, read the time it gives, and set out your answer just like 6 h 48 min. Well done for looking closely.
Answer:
3 h 34 min
